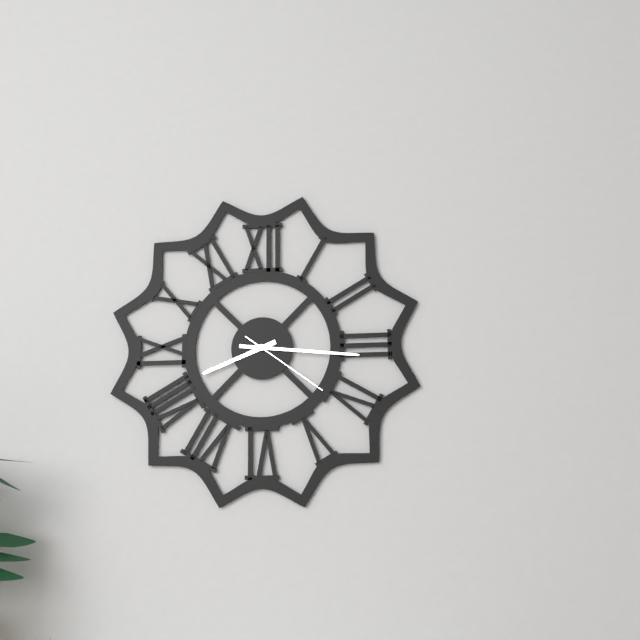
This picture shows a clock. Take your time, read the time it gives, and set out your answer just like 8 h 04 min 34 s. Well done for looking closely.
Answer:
8 h 16 min 21 s
